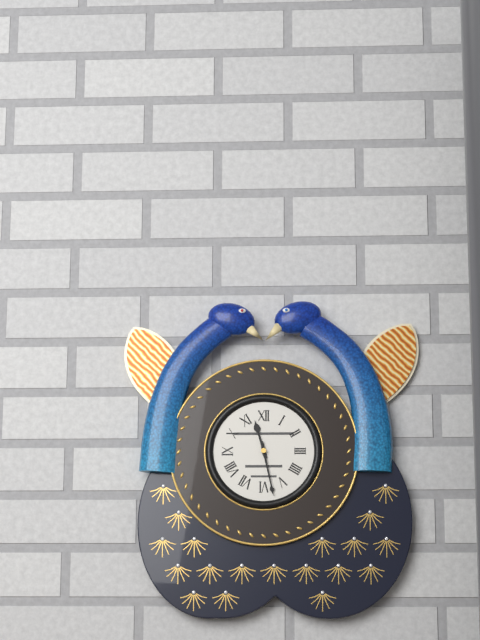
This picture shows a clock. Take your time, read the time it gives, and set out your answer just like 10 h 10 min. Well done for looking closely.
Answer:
11 h 28 min
